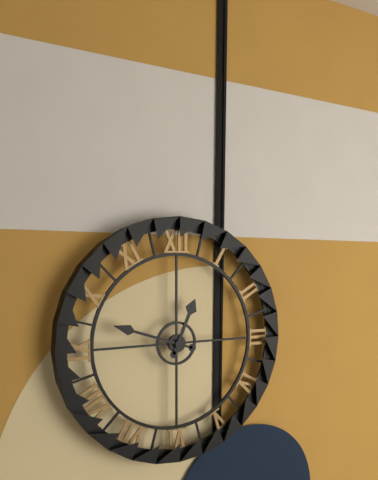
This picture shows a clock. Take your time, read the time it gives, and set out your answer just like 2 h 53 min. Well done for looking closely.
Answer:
12 h 48 min
